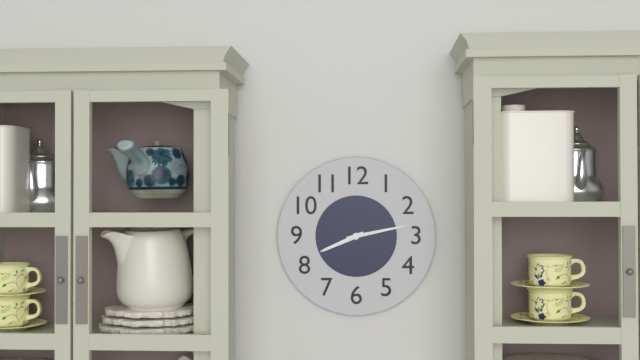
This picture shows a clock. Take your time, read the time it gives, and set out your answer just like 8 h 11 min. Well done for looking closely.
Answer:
8 h 13 min
